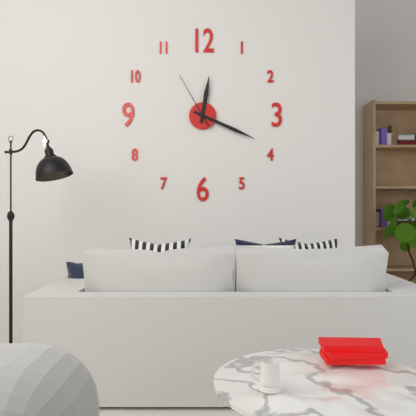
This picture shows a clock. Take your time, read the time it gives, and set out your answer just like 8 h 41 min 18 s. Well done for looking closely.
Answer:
12 h 19 min 55 s
